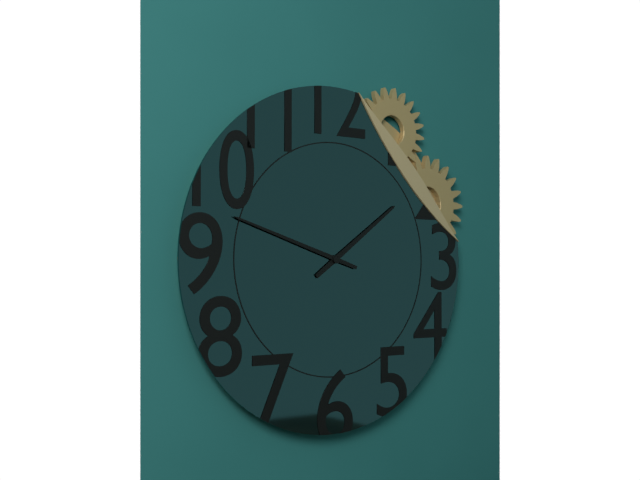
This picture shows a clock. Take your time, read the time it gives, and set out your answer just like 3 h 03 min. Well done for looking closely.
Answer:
1 h 48 min
